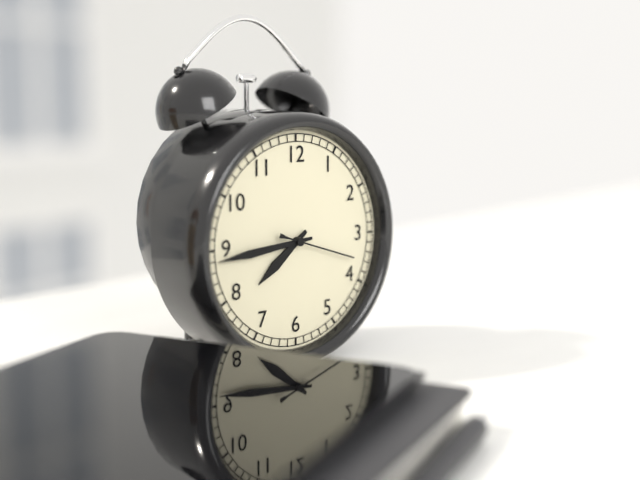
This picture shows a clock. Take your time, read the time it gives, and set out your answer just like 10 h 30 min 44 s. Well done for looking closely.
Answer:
7 h 44 min 18 s
